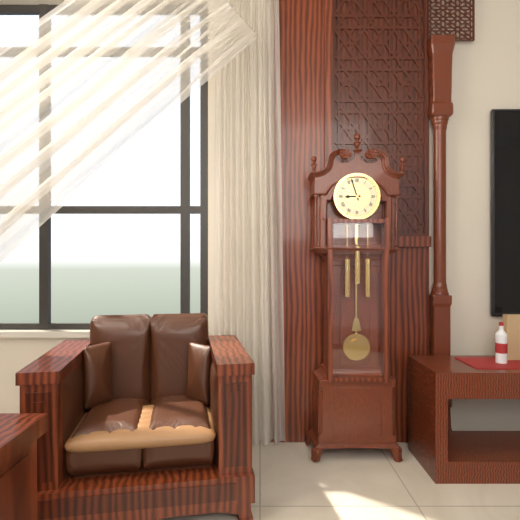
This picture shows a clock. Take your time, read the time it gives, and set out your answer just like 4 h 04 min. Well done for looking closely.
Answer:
8 h 57 min
